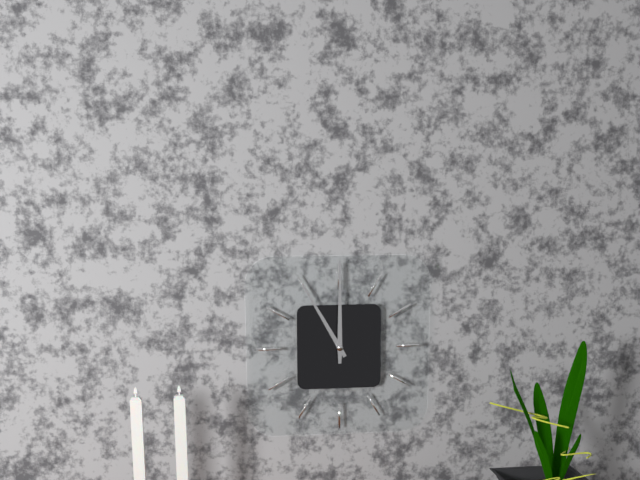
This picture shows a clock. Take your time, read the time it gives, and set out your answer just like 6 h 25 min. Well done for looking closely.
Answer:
11 h 00 min
